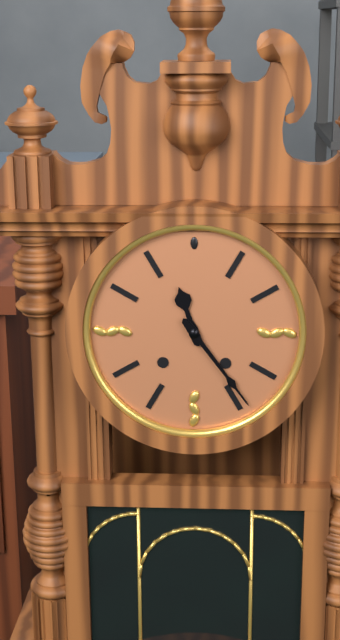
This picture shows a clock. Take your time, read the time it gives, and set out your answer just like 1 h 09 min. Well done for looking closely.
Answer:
11 h 24 min
